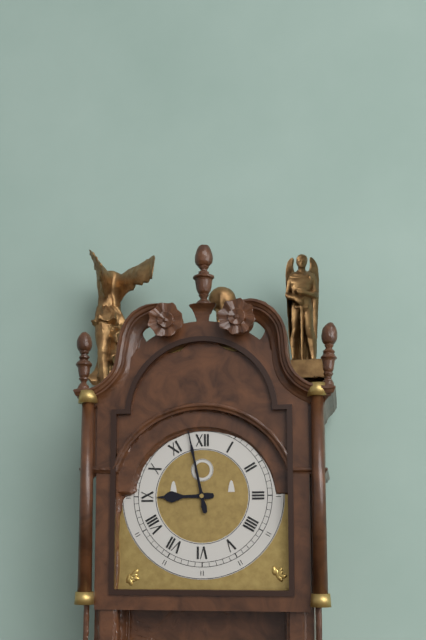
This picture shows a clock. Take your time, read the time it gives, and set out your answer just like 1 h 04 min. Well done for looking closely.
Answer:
8 h 58 min
